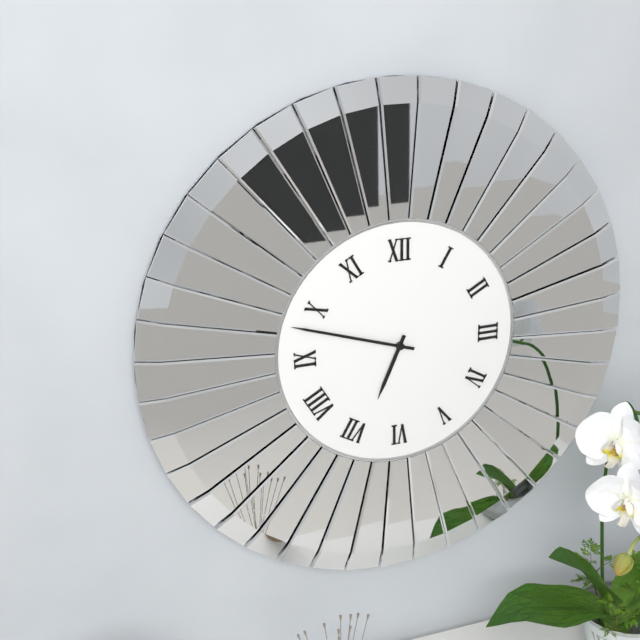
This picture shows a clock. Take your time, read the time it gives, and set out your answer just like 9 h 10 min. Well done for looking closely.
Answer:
6 h 48 min
